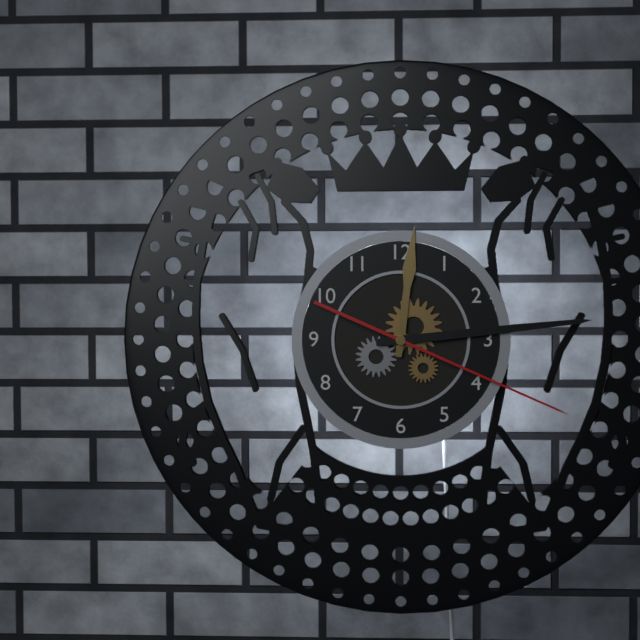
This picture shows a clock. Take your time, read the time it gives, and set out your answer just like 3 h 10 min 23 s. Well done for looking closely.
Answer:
12 h 14 min 19 s
